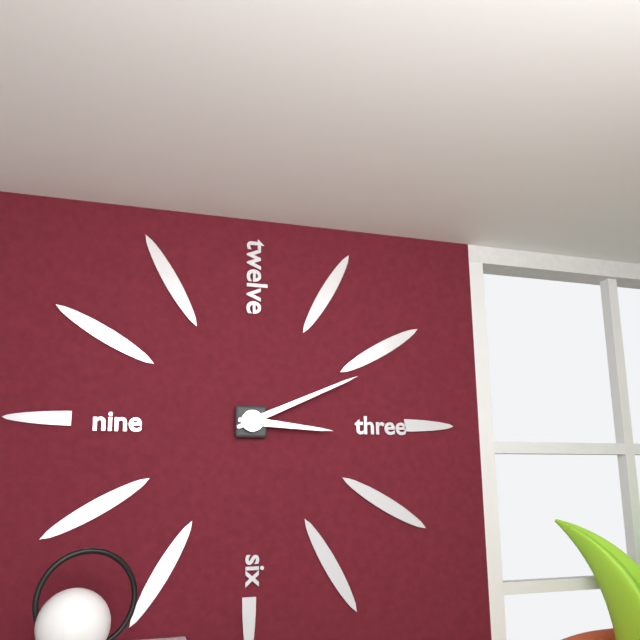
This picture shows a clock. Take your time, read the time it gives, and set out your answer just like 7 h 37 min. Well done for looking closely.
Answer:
3 h 11 min
